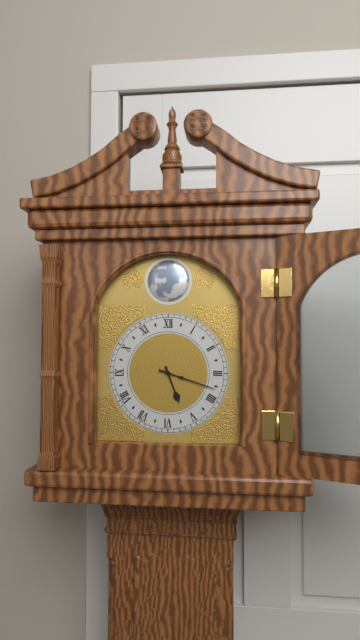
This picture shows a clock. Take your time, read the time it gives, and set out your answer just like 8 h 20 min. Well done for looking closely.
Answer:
5 h 18 min
